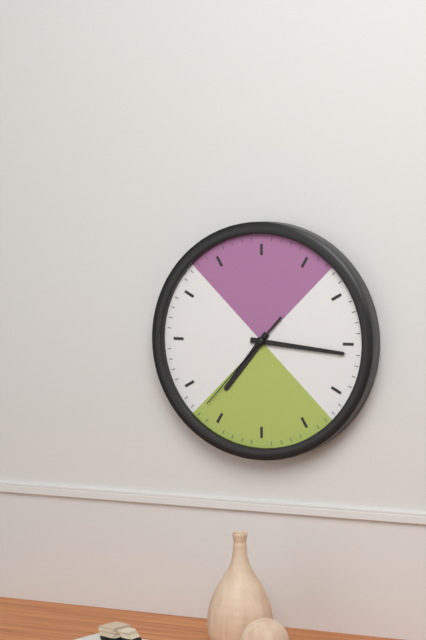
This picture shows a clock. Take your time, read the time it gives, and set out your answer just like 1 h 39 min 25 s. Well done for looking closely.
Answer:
7 h 16 min 37 s
